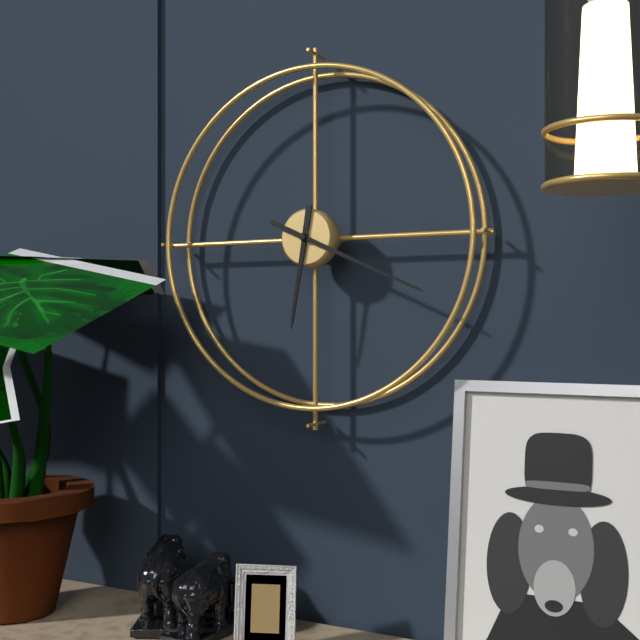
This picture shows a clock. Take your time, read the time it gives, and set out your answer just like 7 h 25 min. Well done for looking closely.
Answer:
6 h 19 min
